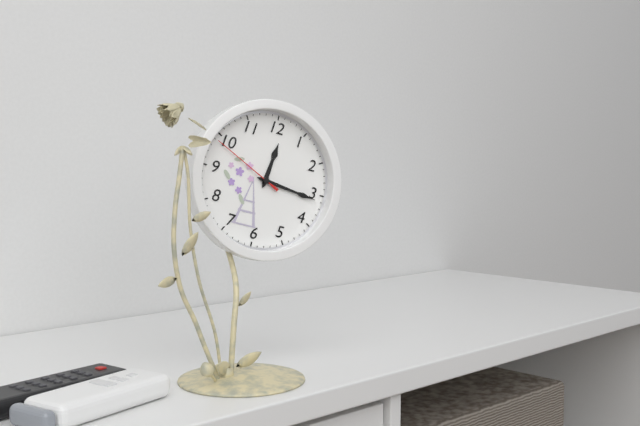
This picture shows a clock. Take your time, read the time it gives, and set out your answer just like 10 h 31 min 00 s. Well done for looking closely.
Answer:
12 h 16 min 49 s
